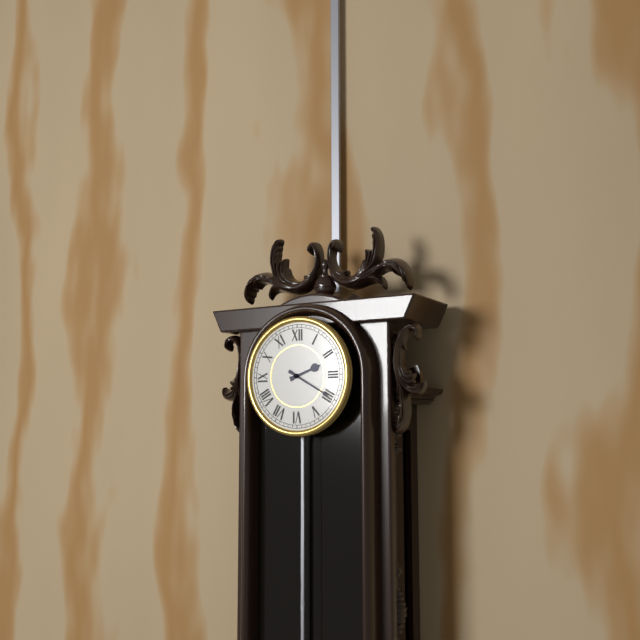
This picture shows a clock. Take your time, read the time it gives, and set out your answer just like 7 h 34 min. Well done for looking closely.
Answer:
2 h 20 min
